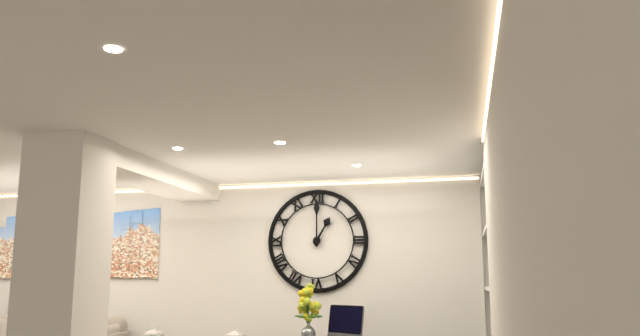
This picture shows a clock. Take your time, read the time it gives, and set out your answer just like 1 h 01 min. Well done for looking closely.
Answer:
1 h 00 min
